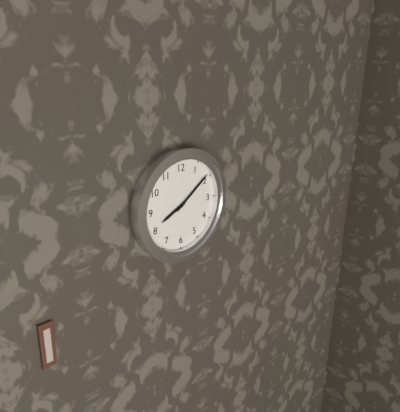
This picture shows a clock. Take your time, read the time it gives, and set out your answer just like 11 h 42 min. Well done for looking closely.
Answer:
8 h 09 min
